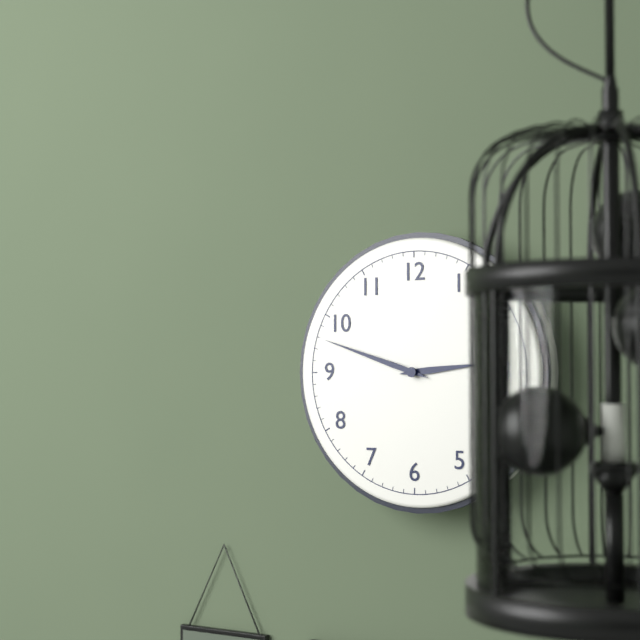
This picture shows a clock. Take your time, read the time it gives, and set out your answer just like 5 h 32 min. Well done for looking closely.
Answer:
2 h 48 min
